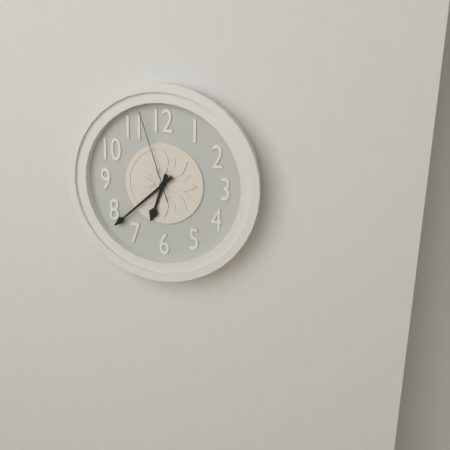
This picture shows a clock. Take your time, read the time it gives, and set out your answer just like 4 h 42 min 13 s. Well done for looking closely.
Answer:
6 h 38 min 57 s
